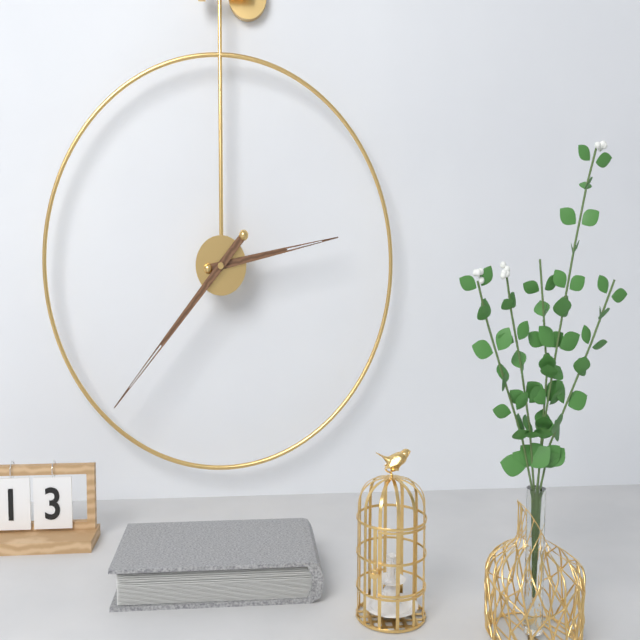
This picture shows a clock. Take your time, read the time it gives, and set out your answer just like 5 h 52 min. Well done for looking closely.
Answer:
2 h 37 min
